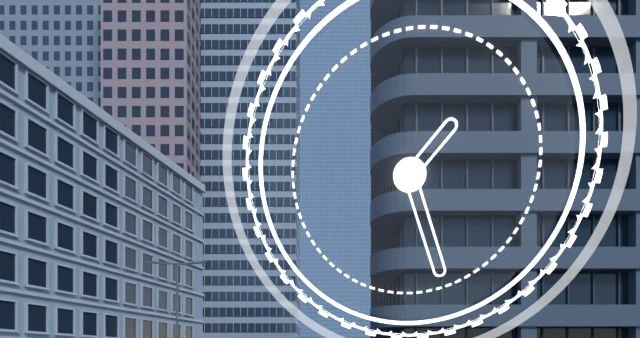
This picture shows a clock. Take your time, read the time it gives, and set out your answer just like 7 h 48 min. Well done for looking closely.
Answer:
1 h 27 min
